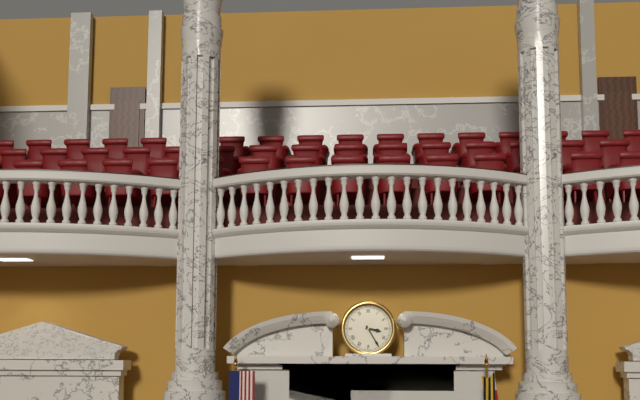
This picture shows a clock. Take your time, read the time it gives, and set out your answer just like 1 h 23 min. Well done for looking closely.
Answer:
3 h 25 min
